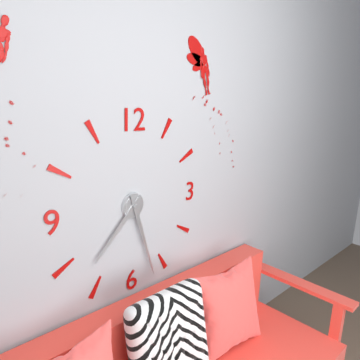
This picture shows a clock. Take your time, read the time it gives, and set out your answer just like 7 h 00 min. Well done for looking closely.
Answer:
7 h 27 min
